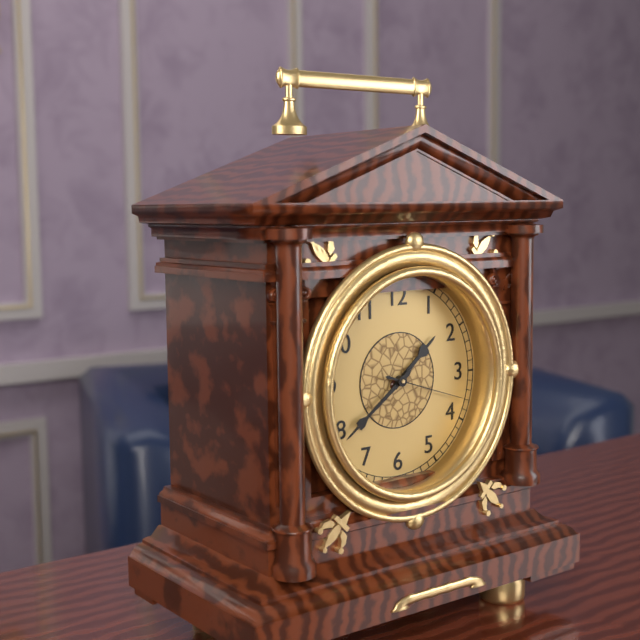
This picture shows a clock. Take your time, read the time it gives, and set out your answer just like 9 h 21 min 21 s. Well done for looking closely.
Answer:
1 h 39 min 18 s
